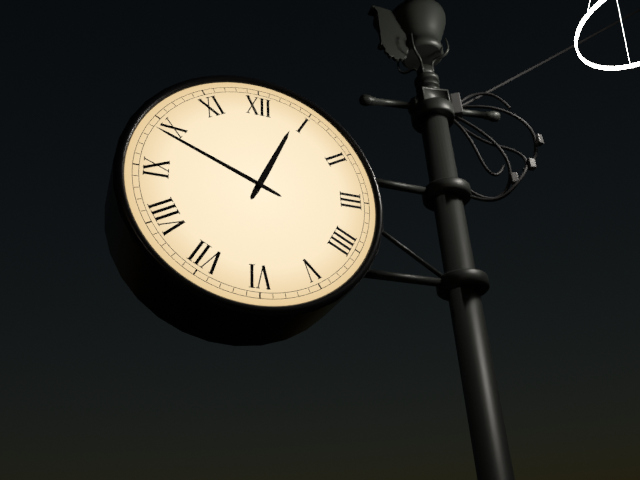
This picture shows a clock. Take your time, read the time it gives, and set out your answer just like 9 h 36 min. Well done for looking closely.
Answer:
12 h 49 min
